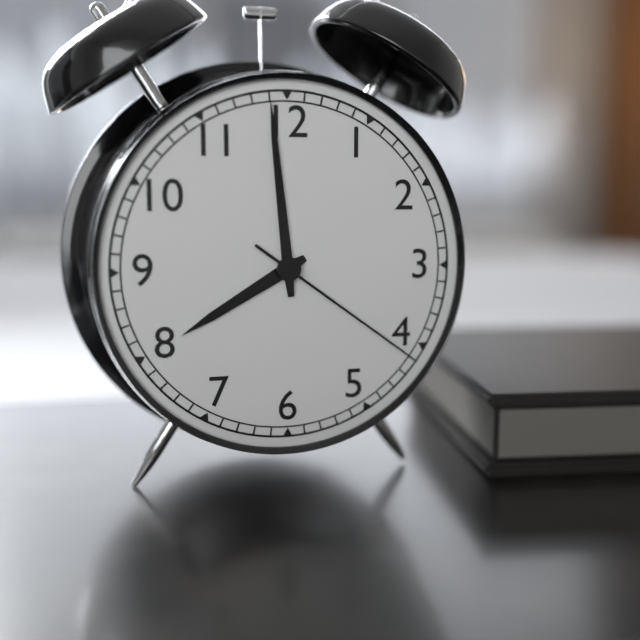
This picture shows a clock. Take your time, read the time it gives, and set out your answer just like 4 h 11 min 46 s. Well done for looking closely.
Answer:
7 h 59 min 21 s
